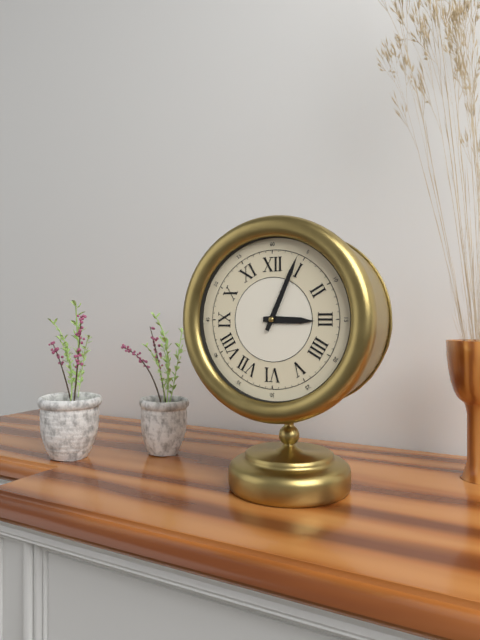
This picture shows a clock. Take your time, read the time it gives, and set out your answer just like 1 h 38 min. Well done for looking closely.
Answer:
3 h 04 min
